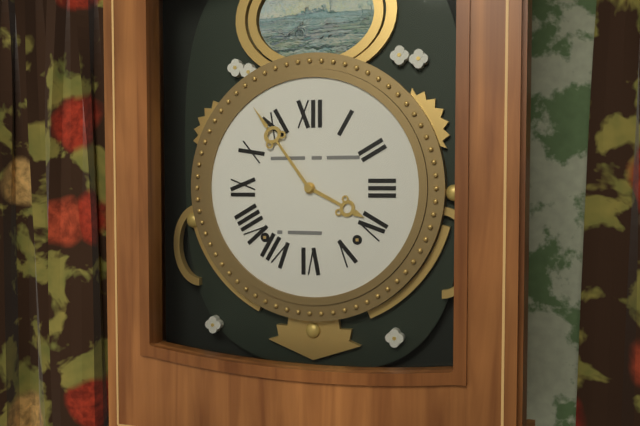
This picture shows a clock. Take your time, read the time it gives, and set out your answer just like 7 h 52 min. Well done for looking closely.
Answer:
3 h 54 min
